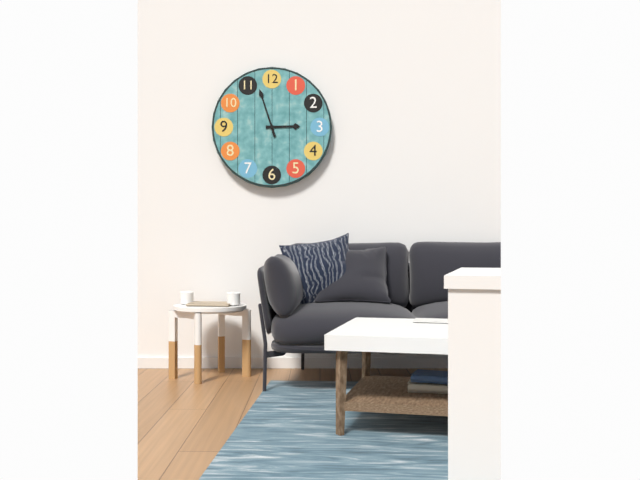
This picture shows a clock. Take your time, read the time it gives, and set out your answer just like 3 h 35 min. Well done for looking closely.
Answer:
2 h 57 min
